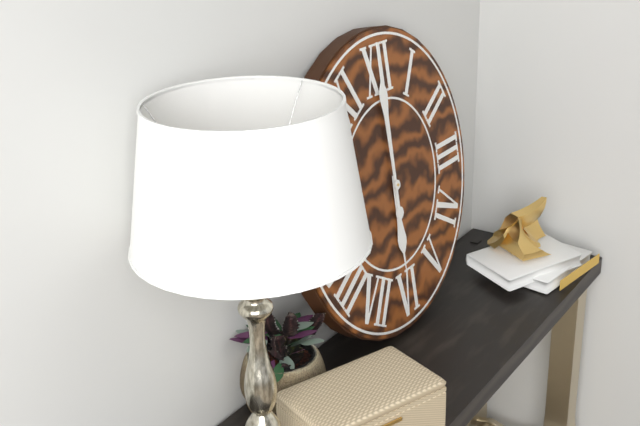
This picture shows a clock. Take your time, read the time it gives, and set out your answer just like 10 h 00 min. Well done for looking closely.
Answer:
6 h 00 min
